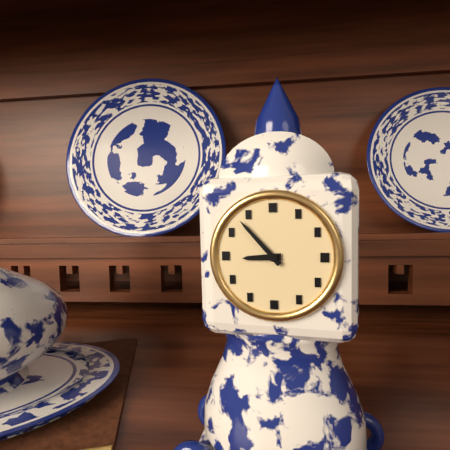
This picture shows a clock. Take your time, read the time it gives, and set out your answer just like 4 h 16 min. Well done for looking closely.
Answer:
8 h 53 min
